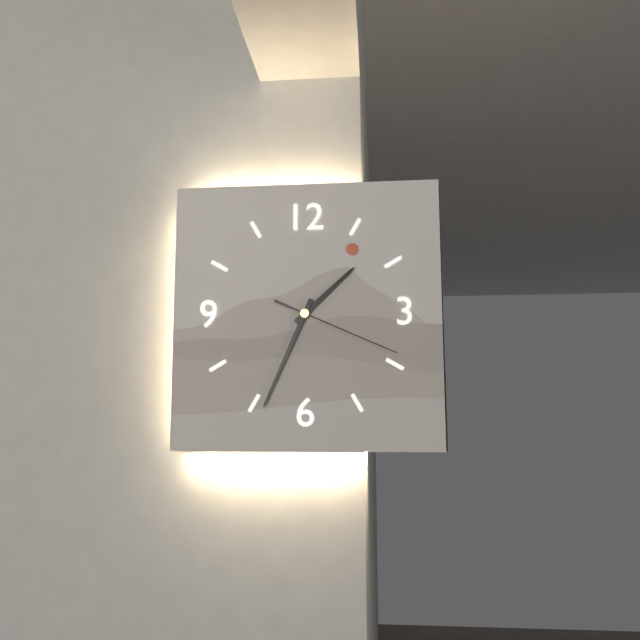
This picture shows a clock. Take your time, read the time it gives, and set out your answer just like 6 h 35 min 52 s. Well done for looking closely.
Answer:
1 h 34 min 19 s
